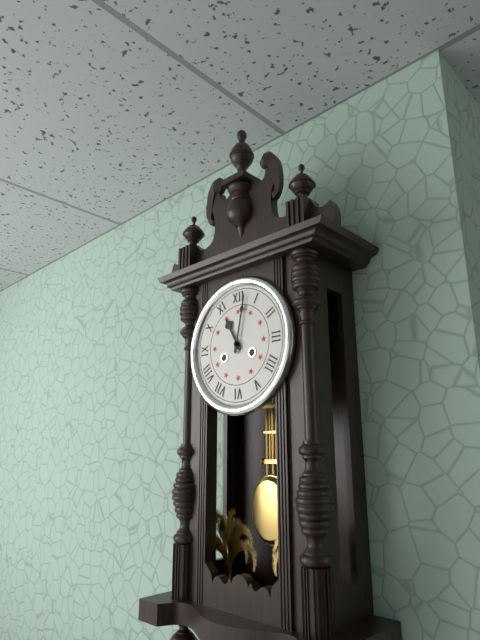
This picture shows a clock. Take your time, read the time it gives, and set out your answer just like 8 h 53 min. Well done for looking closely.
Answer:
11 h 02 min
